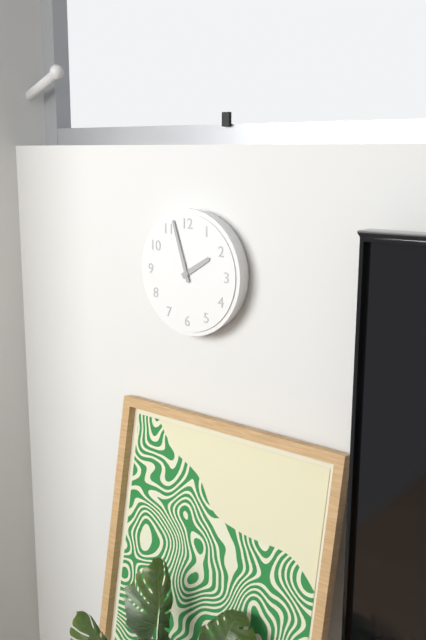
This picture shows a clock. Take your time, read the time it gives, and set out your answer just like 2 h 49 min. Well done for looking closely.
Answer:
1 h 57 min
